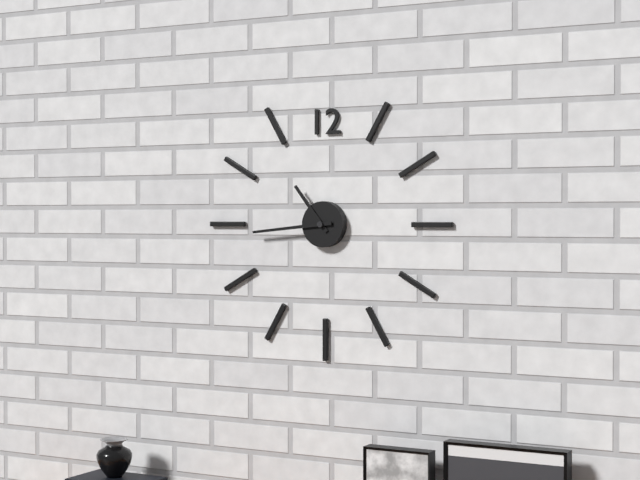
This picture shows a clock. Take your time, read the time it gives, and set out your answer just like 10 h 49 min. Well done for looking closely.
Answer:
10 h 44 min
